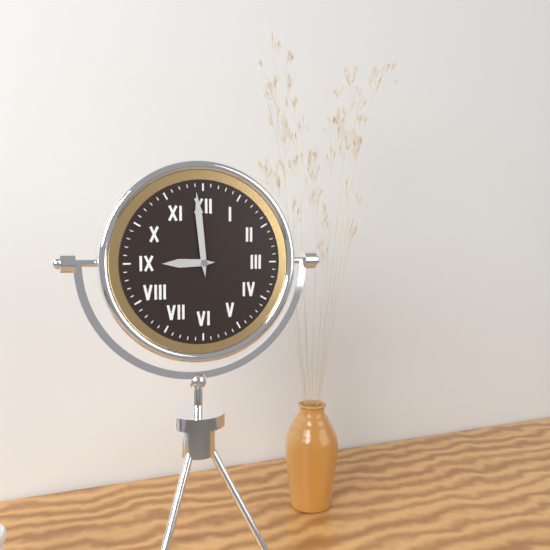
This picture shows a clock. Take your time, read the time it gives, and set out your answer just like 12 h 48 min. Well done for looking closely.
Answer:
8 h 59 min
